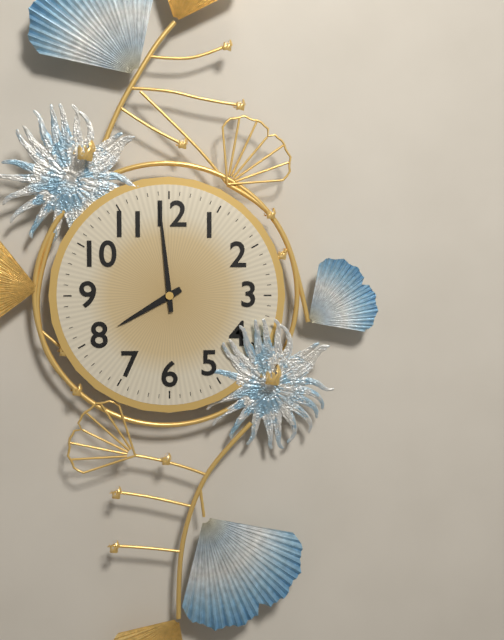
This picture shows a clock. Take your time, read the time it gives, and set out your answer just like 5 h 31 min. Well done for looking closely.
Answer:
7 h 59 min
